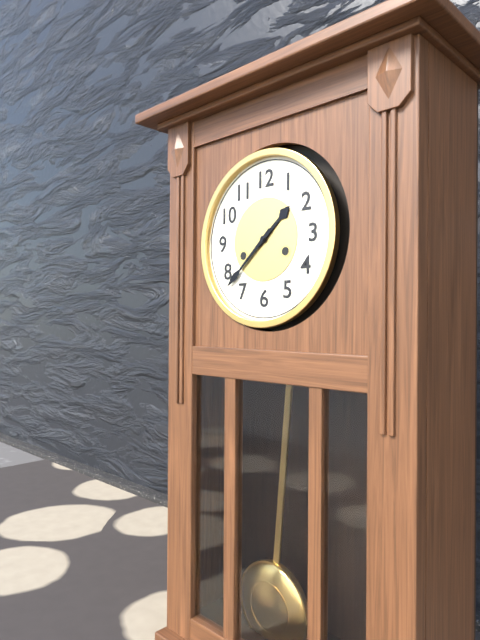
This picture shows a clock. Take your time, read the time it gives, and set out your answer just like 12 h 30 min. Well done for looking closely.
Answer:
1 h 38 min
